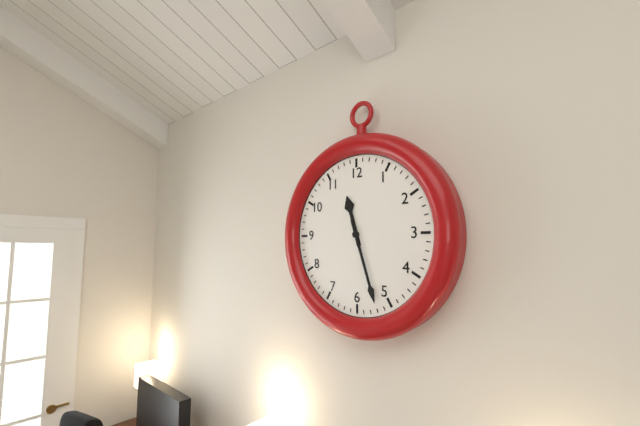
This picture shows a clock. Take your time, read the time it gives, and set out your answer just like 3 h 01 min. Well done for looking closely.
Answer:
11 h 27 min
